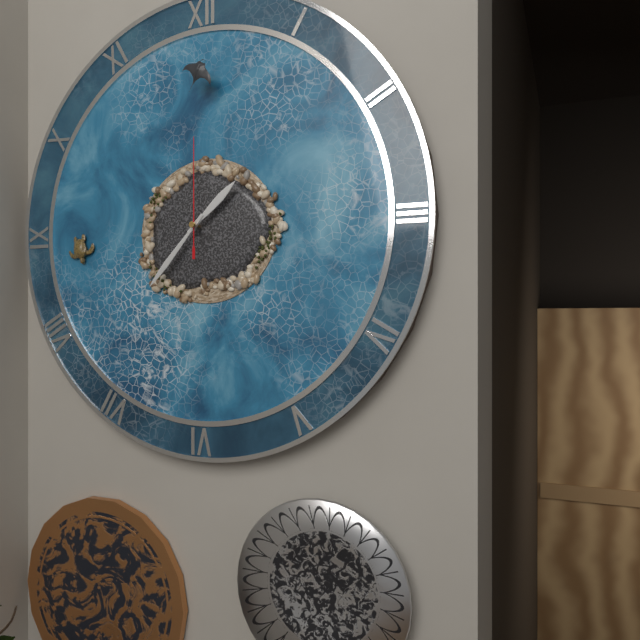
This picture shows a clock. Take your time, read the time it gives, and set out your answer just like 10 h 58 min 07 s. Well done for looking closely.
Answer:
1 h 37 min 00 s
